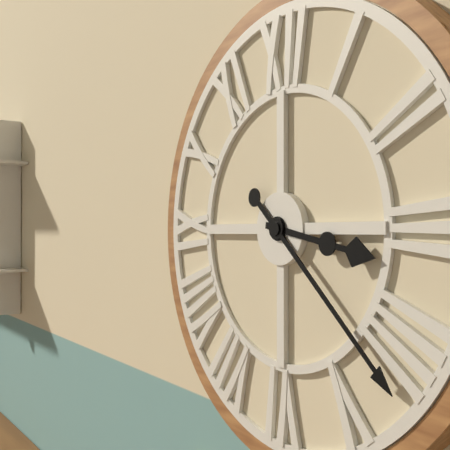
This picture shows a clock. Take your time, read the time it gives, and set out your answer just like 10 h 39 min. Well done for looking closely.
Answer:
3 h 22 min
